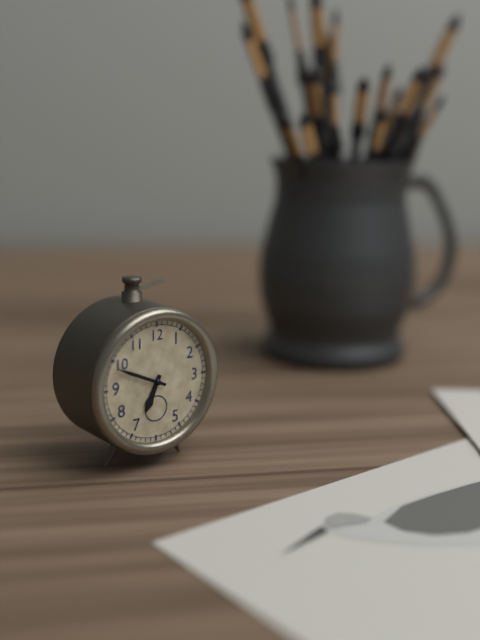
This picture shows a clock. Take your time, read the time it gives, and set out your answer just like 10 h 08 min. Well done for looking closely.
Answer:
6 h 49 min
